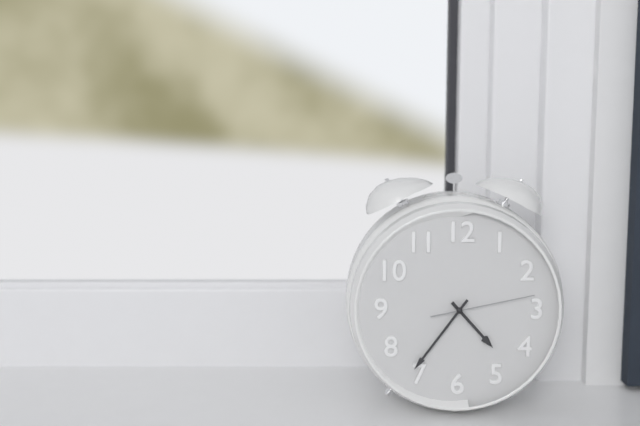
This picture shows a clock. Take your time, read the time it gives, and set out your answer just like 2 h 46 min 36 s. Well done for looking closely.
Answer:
4 h 36 min 13 s
